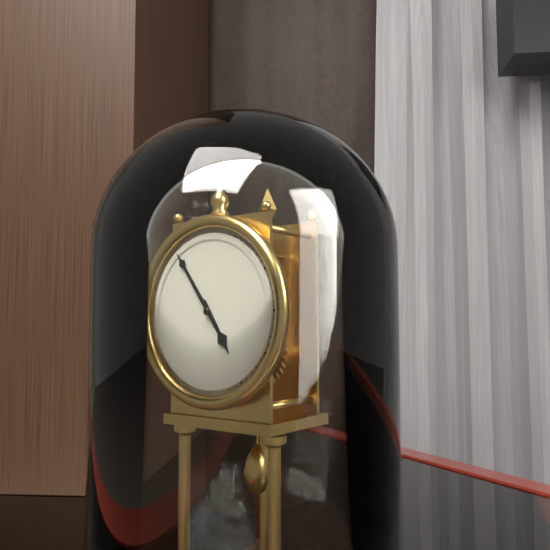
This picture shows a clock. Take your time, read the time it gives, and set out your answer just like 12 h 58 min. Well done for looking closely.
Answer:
4 h 54 min
